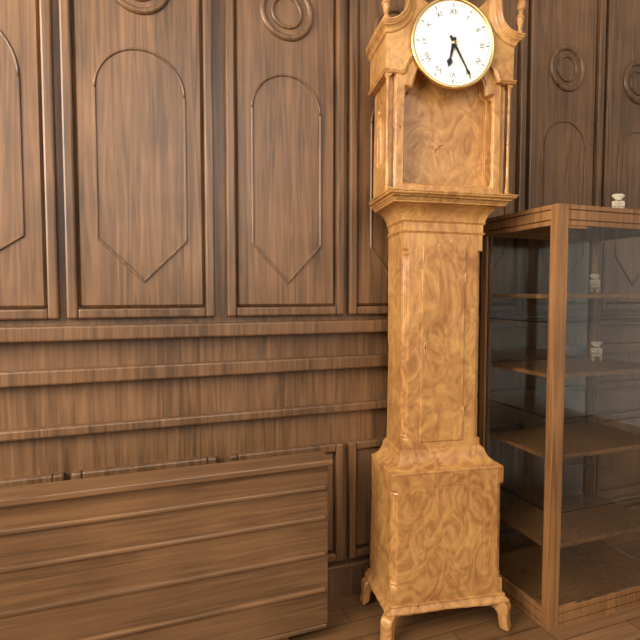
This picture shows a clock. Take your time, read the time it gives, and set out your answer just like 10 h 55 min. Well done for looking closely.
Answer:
6 h 25 min
